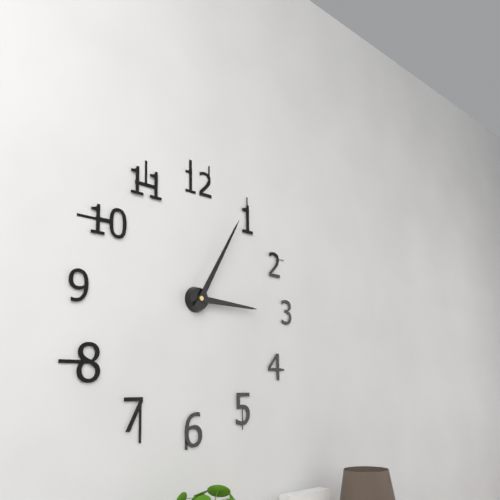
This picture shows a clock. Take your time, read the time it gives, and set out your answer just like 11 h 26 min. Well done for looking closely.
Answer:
3 h 05 min
